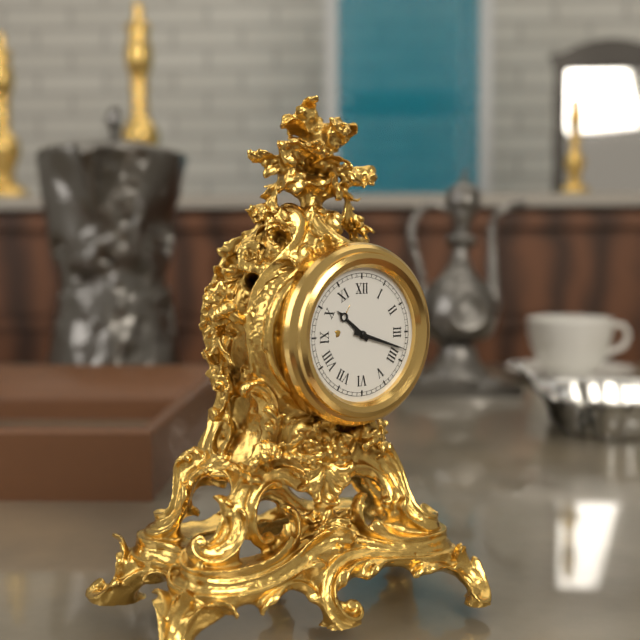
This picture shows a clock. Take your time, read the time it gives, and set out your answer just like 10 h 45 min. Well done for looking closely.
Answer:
10 h 18 min
